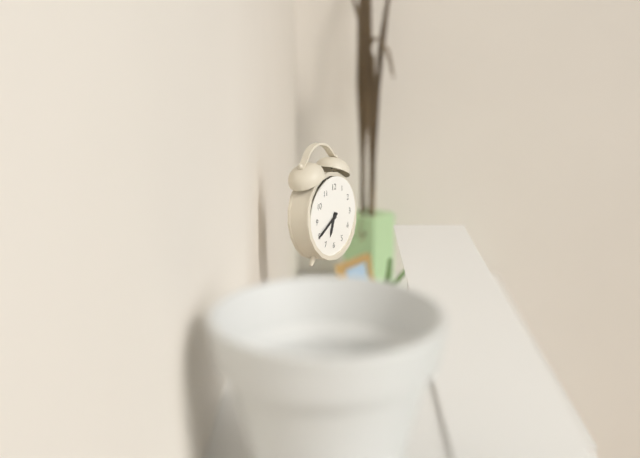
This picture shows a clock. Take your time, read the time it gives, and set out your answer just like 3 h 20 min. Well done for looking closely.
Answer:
6 h 40 min
